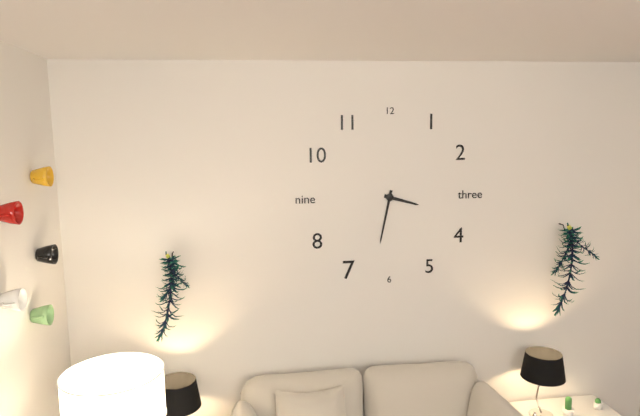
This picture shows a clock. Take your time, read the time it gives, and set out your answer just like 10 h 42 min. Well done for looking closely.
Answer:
3 h 32 min
